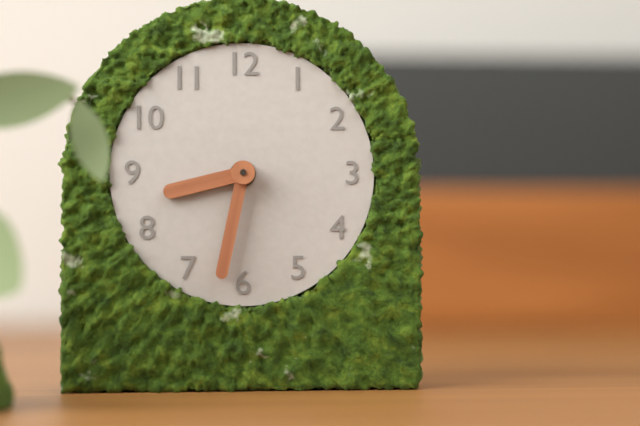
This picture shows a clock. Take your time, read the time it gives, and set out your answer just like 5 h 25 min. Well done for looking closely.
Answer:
8 h 32 min
